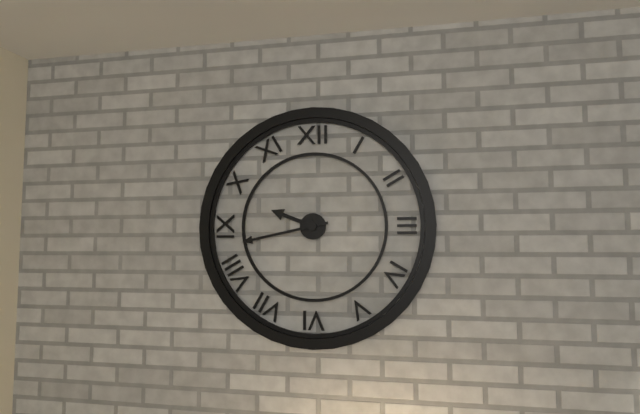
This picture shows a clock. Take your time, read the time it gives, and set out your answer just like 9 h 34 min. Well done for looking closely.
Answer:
9 h 43 min
